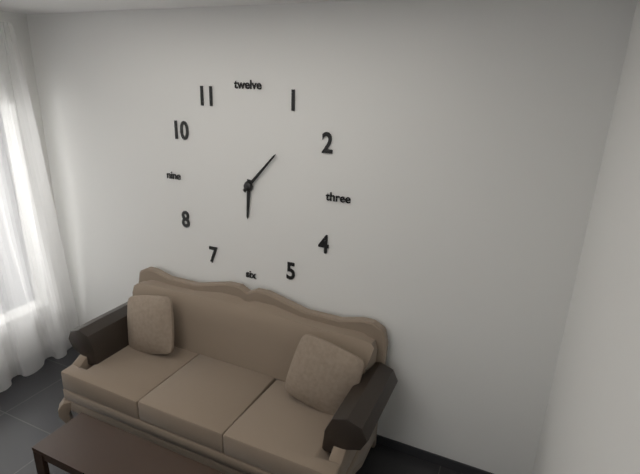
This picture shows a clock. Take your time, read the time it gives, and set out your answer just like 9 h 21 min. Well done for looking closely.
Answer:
6 h 07 min
